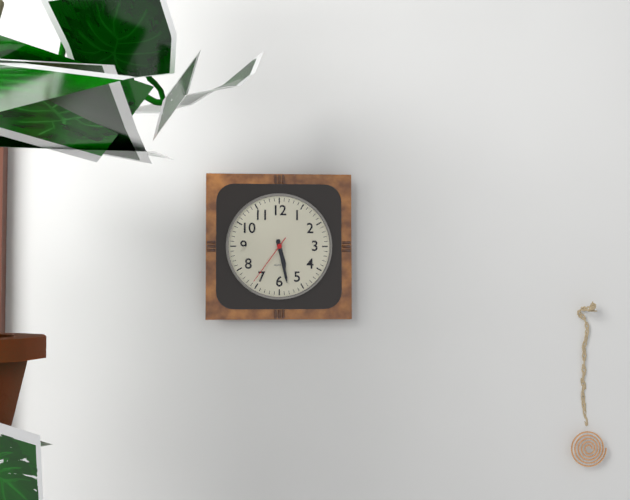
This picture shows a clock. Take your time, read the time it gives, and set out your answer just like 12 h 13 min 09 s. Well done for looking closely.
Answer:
5 h 28 min 36 s
